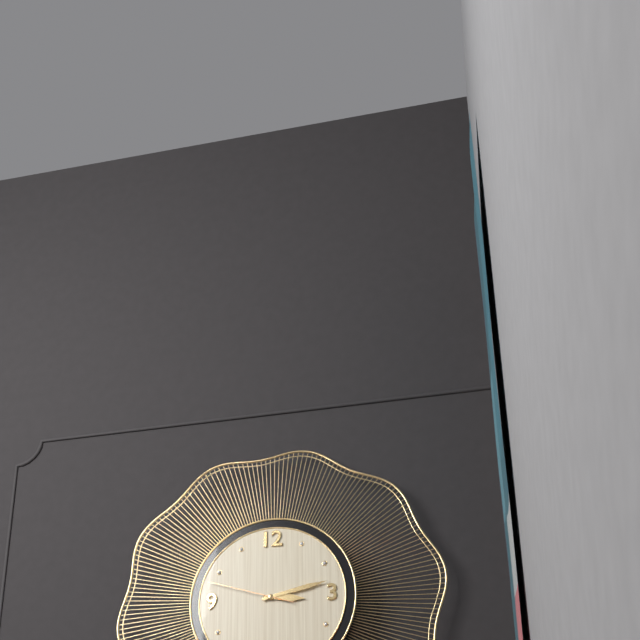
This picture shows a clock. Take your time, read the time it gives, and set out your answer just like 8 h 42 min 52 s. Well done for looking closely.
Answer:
3 h 13 min 48 s
